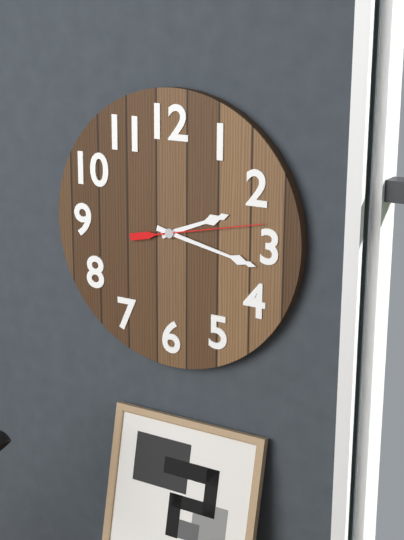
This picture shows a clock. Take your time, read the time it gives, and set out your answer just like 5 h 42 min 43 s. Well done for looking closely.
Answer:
2 h 17 min 13 s
